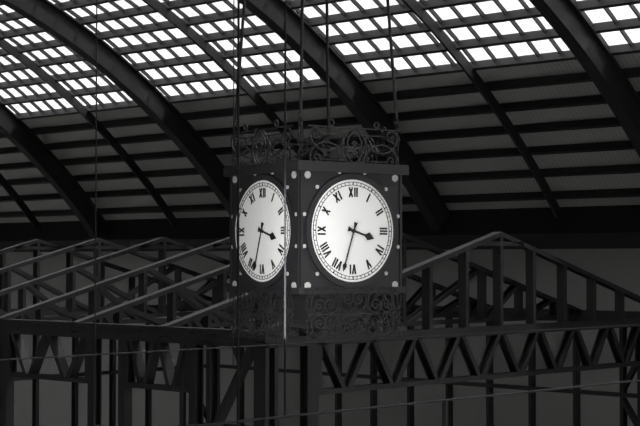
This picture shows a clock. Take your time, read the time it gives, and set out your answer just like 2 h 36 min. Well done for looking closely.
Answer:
3 h 33 min
